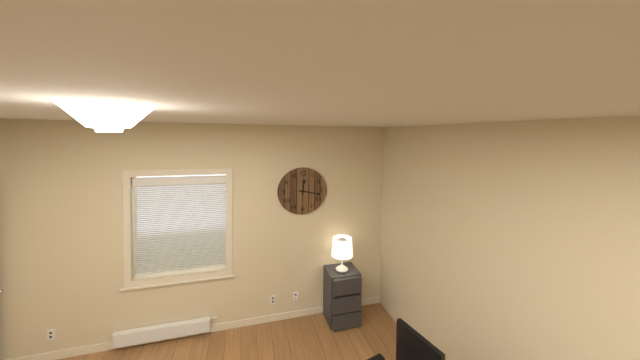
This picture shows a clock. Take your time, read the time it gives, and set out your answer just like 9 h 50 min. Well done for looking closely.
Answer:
12 h 17 min
